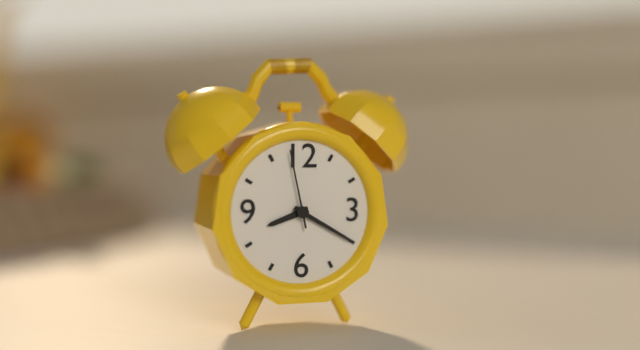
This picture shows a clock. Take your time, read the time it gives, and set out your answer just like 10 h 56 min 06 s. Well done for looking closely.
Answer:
8 h 20 min 58 s
